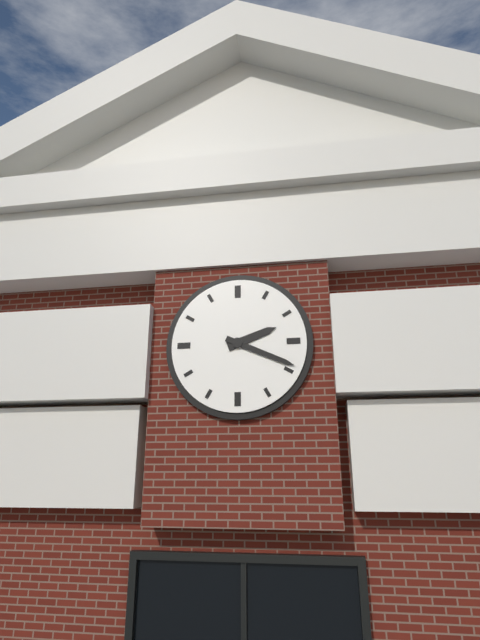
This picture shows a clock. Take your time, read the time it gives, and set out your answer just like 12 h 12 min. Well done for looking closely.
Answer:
2 h 19 min
